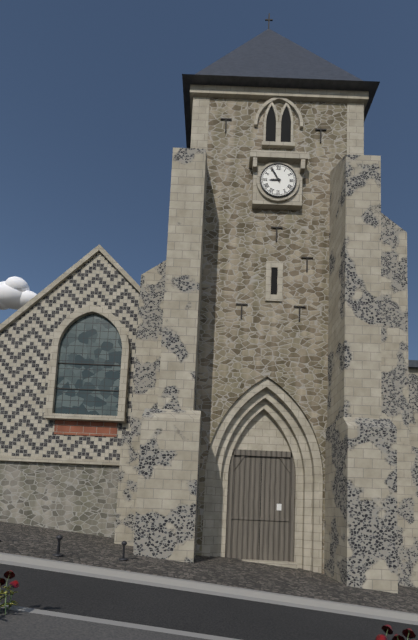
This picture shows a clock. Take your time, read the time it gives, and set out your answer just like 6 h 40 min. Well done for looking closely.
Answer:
8 h 55 min
